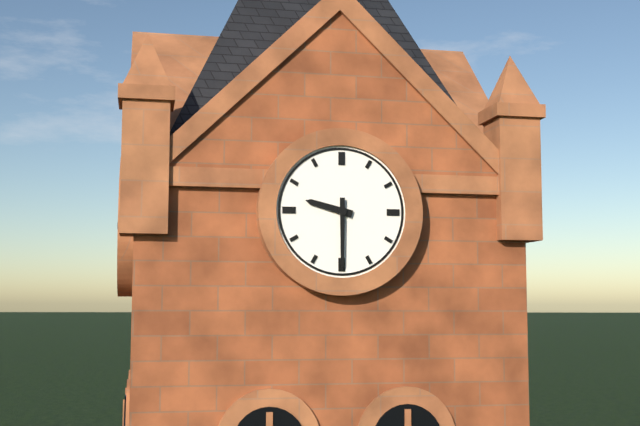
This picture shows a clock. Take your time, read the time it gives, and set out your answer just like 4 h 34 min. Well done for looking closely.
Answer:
9 h 30 min
